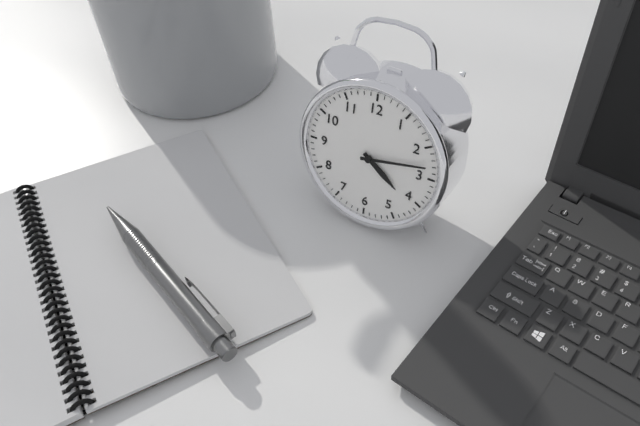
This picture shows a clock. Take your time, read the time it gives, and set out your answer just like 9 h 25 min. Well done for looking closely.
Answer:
4 h 13 min
